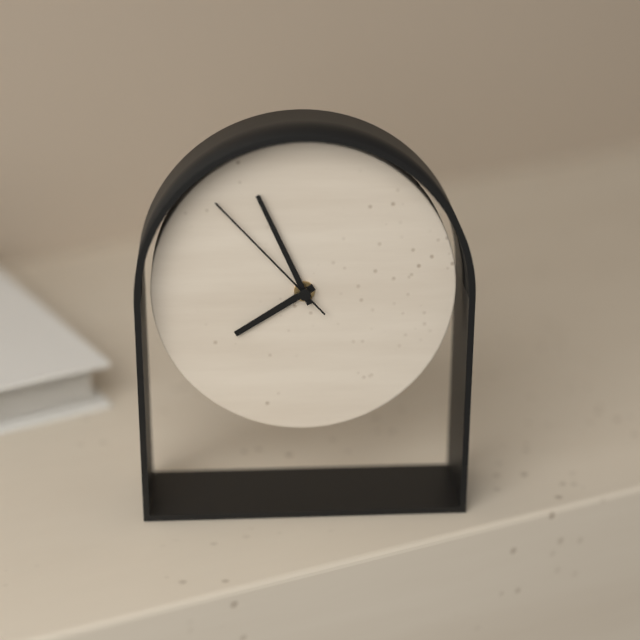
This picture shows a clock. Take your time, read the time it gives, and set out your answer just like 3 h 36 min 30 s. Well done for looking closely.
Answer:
7 h 56 min 53 s
